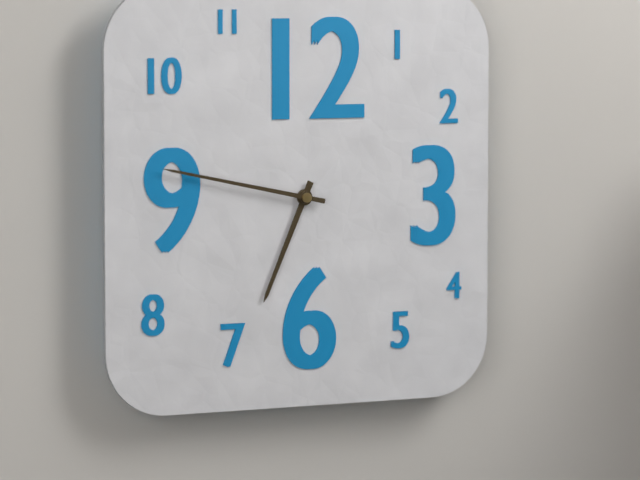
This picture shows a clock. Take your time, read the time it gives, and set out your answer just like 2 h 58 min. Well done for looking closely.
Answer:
6 h 47 min
